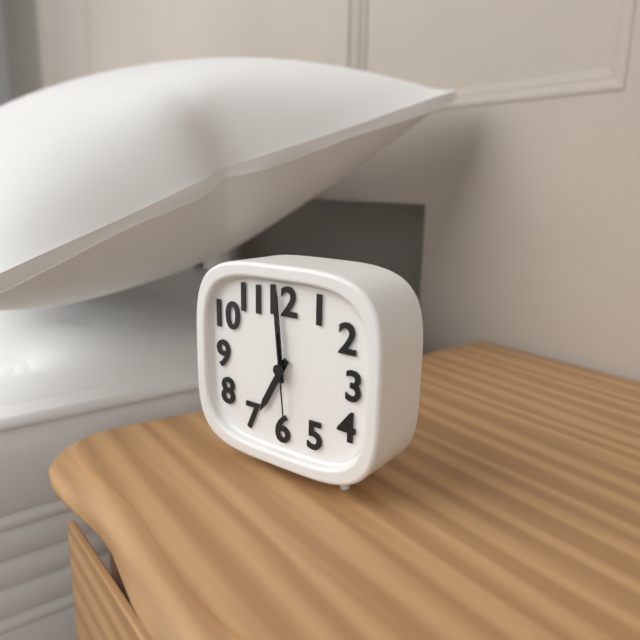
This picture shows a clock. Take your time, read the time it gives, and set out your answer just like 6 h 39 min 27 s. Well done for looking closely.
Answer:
6 h 59 min 29 s
